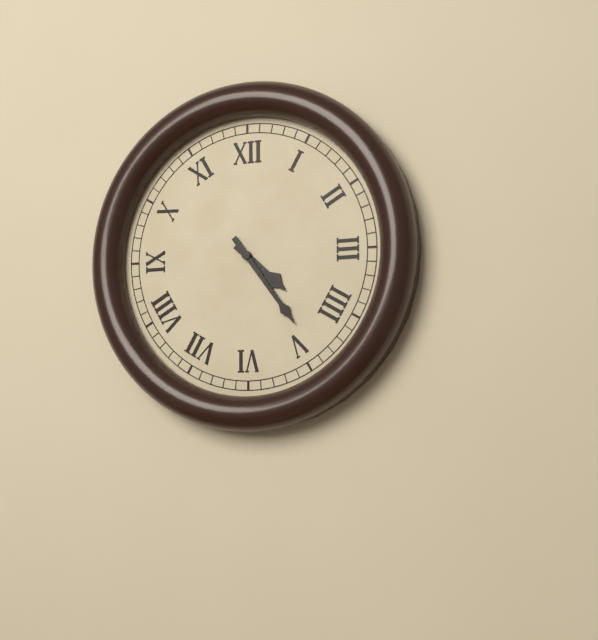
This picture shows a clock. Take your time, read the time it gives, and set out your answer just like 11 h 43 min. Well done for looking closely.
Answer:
4 h 24 min
